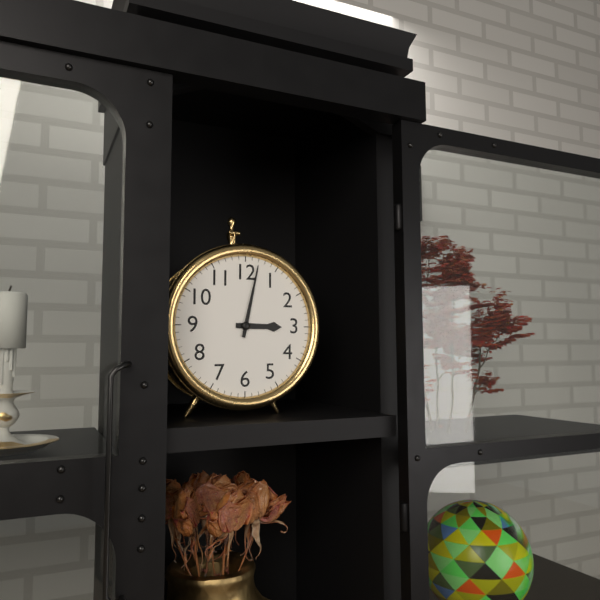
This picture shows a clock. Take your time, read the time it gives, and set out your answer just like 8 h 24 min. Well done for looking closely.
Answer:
3 h 02 min
